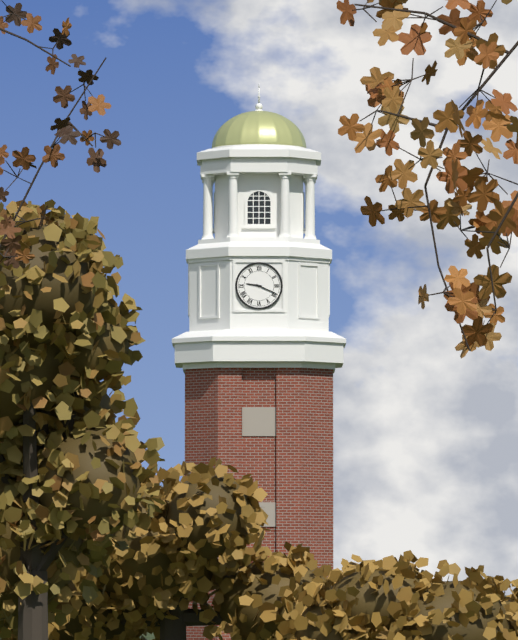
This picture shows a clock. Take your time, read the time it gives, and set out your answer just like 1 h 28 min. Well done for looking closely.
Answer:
9 h 19 min
